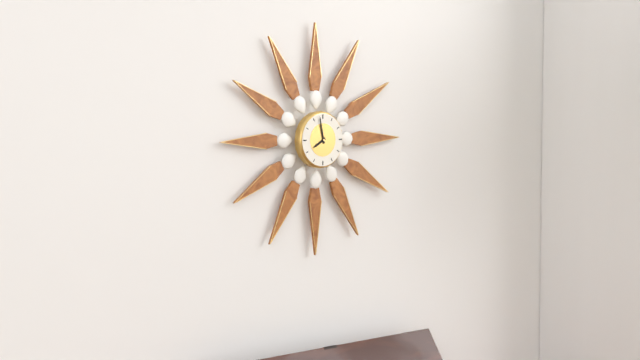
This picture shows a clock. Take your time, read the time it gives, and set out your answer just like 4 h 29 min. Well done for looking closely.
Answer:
7 h 58 min
